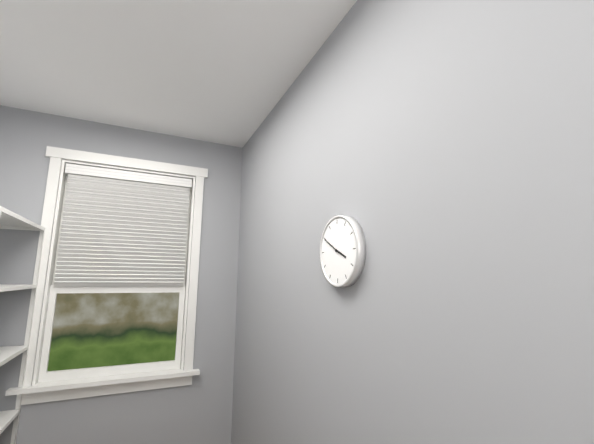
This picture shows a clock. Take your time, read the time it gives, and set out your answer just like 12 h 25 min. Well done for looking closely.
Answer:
3 h 50 min
